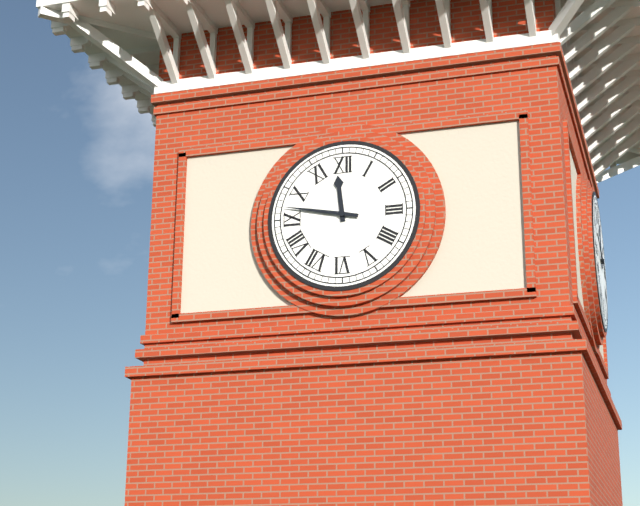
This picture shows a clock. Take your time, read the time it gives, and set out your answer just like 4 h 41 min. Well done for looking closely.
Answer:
11 h 47 min
